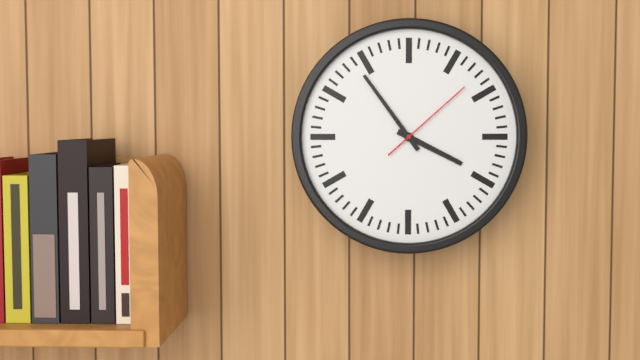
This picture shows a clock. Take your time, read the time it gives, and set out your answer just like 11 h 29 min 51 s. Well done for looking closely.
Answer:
3 h 54 min 08 s
